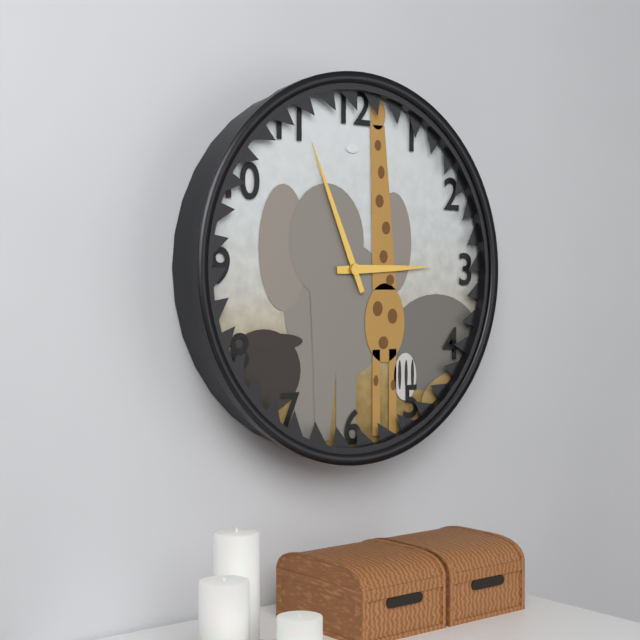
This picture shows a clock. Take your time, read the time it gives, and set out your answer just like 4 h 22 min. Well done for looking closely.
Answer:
2 h 56 min
